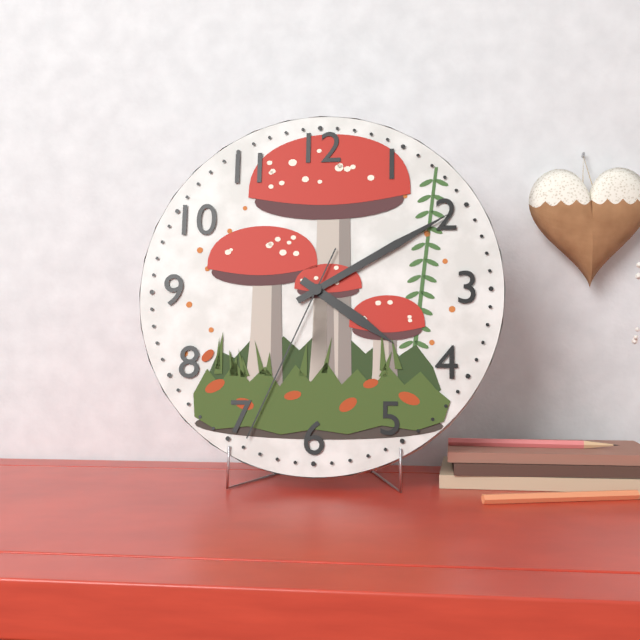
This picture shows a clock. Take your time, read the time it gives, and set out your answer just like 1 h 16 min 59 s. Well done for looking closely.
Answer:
4 h 10 min 34 s
